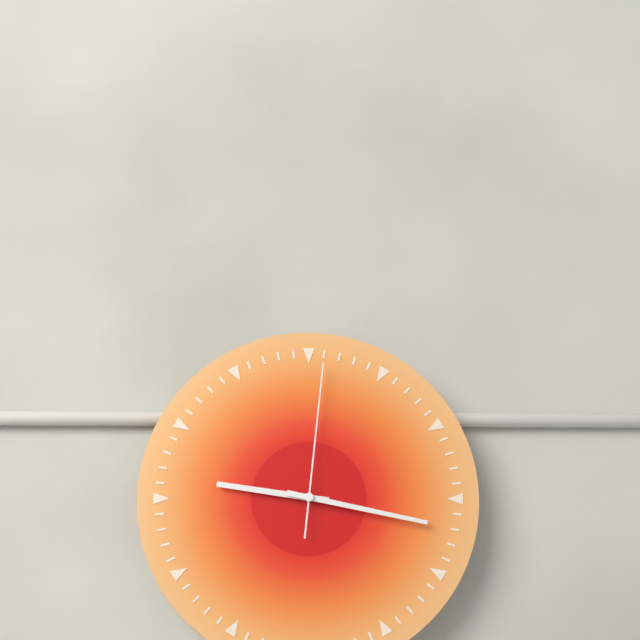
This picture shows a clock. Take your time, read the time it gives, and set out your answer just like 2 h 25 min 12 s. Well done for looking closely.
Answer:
9 h 17 min 01 s
